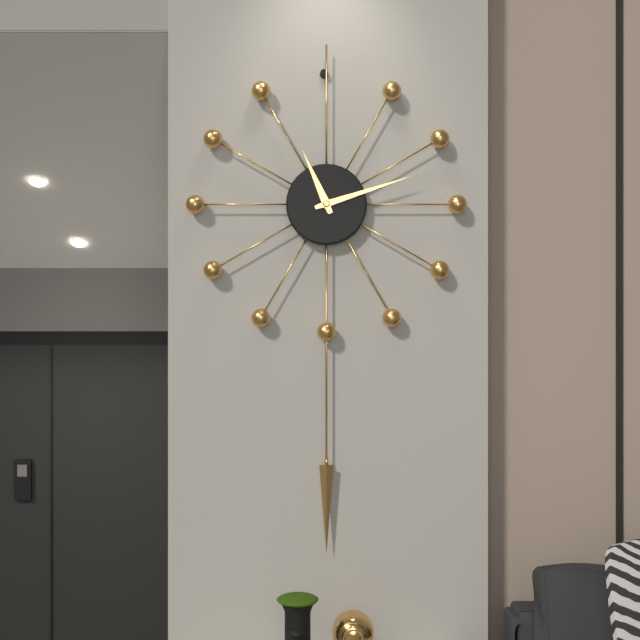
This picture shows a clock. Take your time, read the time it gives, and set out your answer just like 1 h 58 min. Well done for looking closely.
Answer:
11 h 12 min
